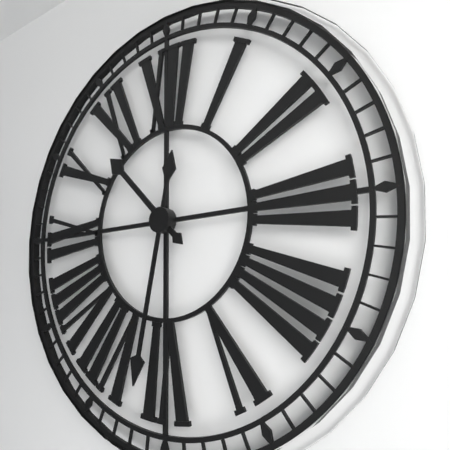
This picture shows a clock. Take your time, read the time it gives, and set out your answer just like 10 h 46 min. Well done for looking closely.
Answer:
10 h 32 min
